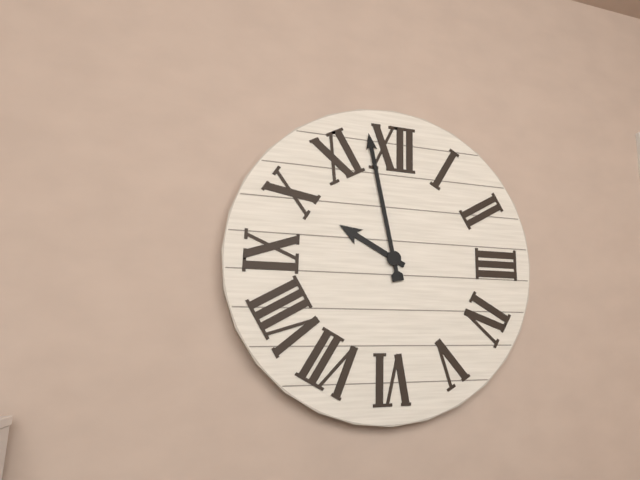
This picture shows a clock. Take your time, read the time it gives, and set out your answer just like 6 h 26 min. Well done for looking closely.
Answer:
9 h 58 min
